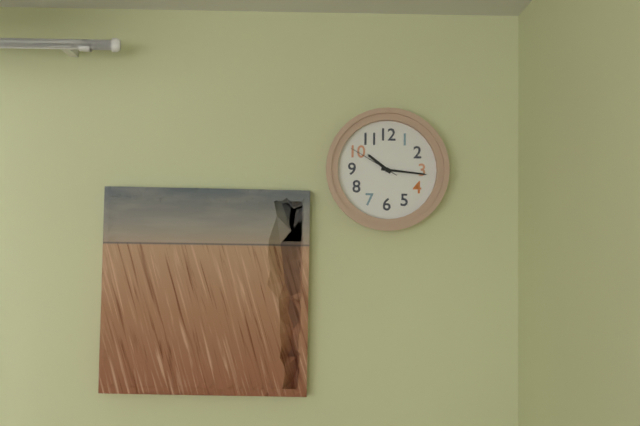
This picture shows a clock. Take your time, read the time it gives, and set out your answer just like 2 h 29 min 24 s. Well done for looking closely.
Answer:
10 h 16 min 50 s
